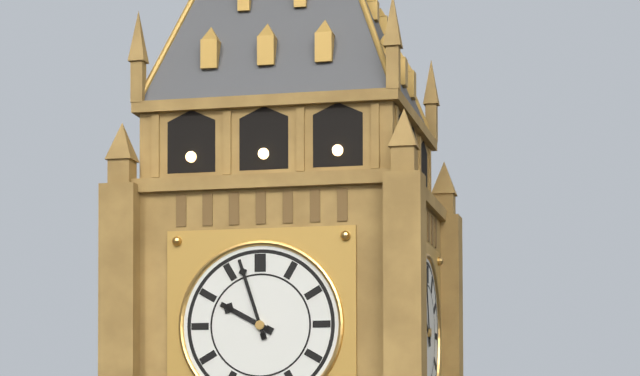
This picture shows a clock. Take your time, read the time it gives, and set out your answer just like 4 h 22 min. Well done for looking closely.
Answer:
9 h 57 min
